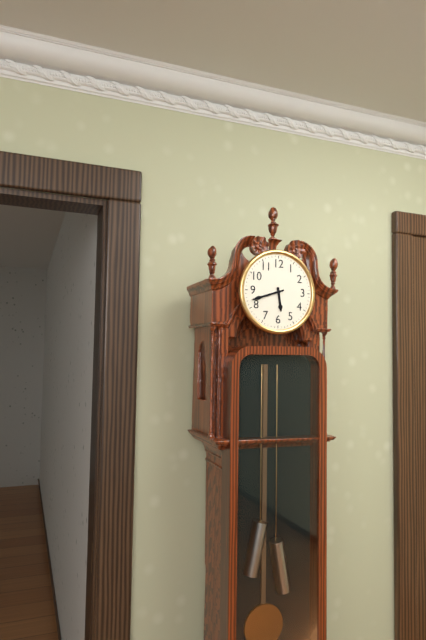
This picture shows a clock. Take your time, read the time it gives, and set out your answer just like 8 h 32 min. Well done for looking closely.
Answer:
5 h 42 min
